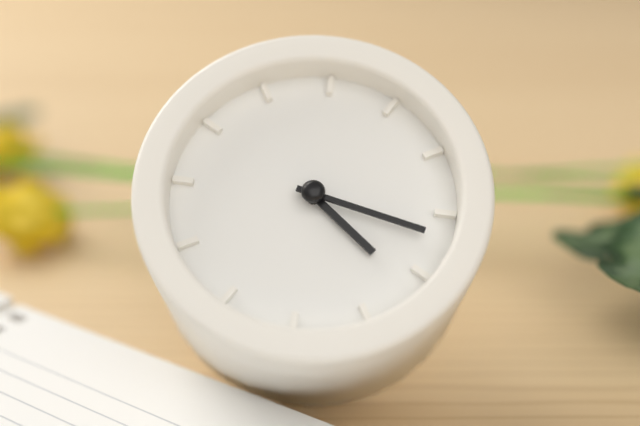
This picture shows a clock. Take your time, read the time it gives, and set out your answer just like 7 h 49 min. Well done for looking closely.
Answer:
4 h 17 min
